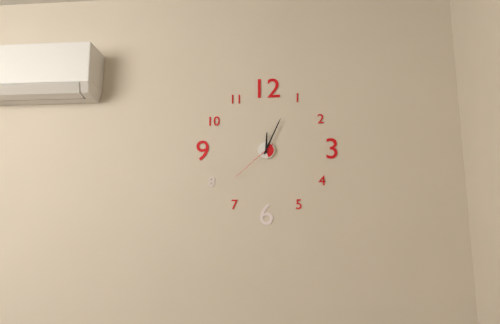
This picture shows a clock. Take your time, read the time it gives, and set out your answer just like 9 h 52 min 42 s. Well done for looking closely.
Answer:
12 h 04 min 38 s
